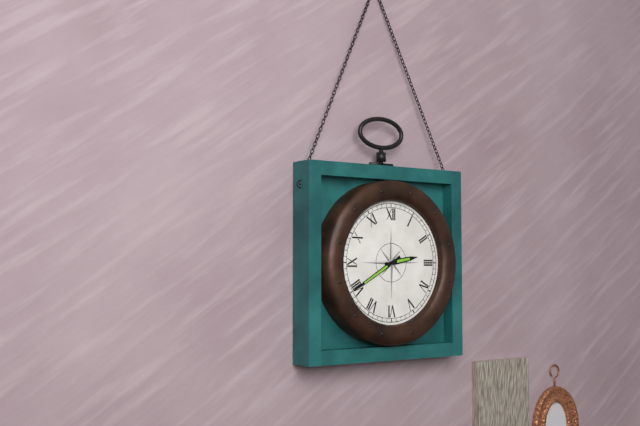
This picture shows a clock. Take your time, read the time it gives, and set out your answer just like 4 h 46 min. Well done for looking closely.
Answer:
2 h 40 min
